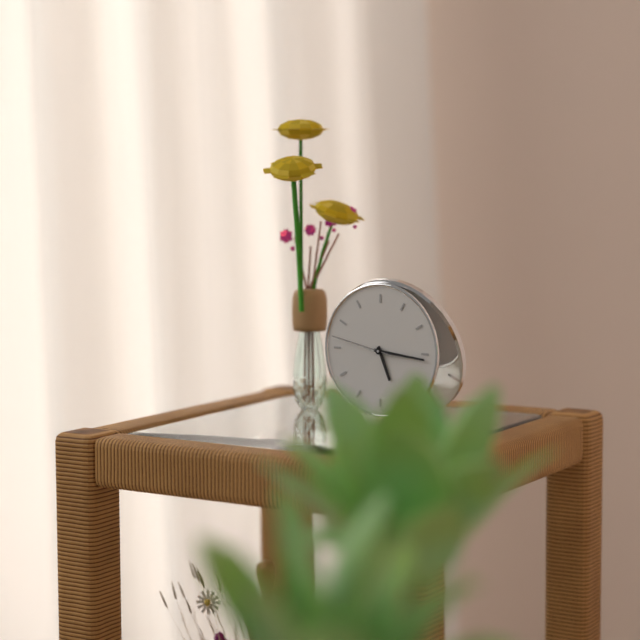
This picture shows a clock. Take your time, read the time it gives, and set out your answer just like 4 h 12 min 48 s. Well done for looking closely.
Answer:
5 h 16 min 47 s
